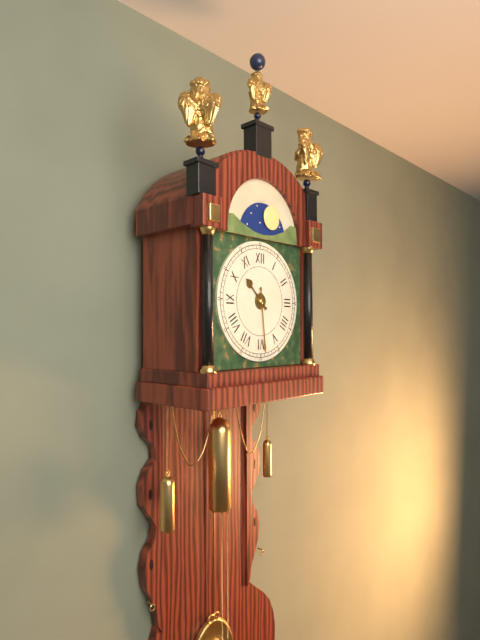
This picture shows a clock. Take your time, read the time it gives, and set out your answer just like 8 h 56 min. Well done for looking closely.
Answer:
10 h 29 min
